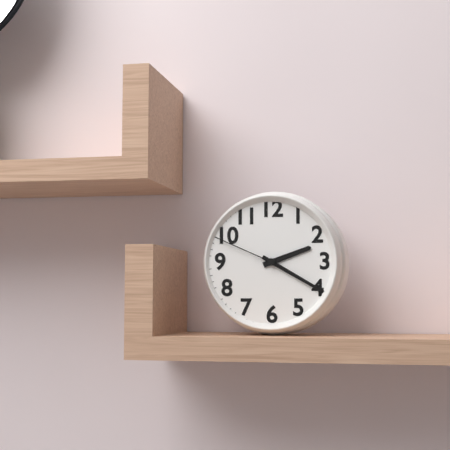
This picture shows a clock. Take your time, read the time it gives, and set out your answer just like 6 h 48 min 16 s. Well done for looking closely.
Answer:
2 h 20 min 49 s
